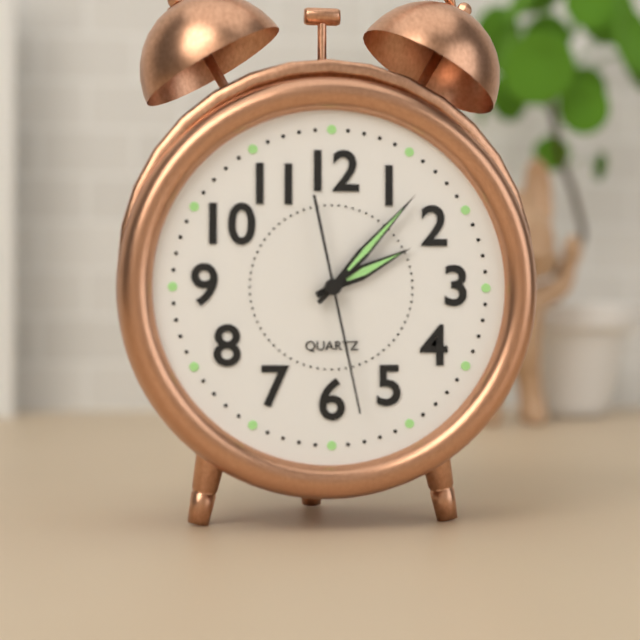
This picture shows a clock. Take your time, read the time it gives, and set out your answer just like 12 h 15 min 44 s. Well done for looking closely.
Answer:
2 h 07 min 28 s
